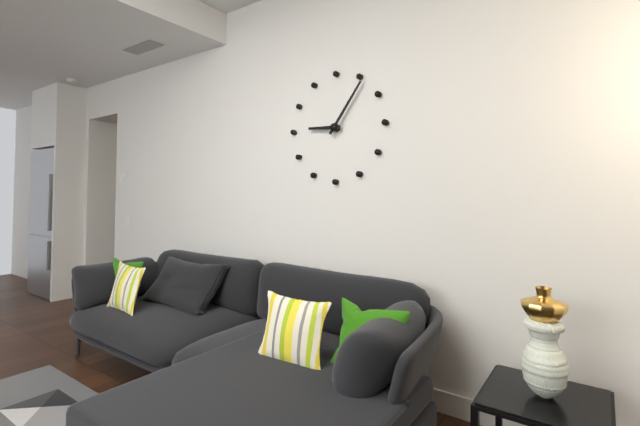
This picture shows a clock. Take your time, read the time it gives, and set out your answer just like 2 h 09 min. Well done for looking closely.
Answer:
9 h 06 min
